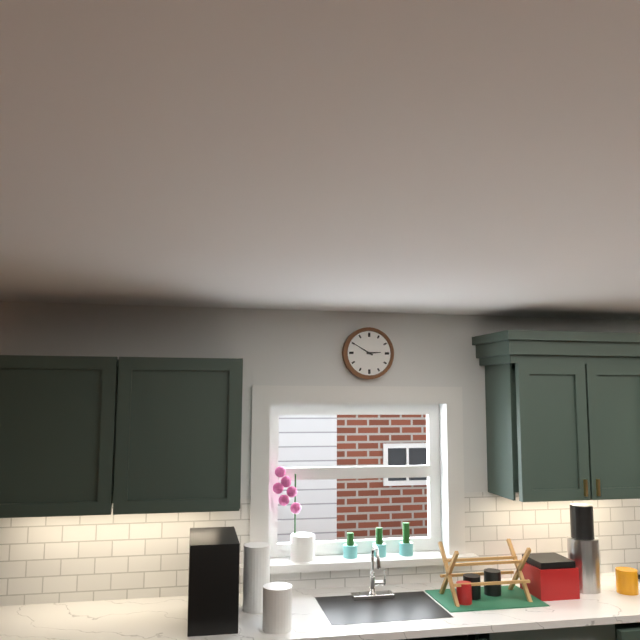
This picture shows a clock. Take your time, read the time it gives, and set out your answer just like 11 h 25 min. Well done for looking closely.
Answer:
2 h 50 min
